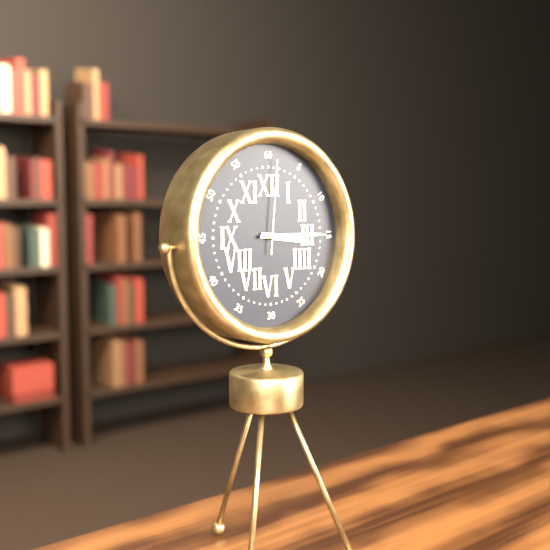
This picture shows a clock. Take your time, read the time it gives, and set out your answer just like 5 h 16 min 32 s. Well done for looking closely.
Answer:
3 h 15 min 01 s
